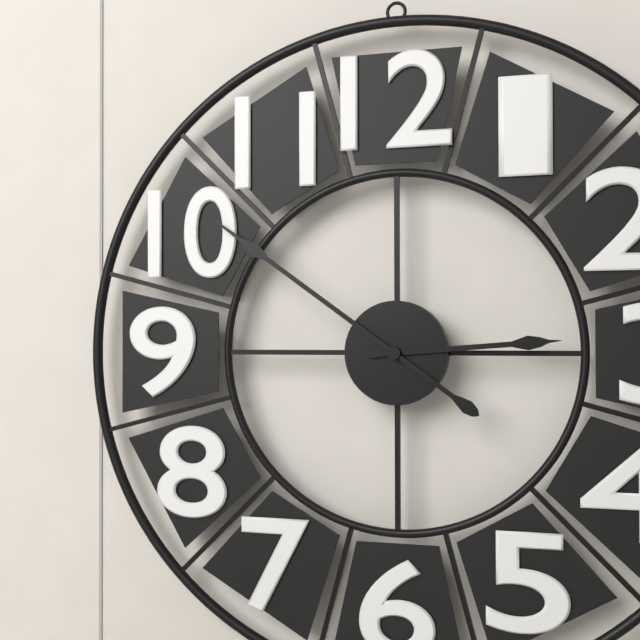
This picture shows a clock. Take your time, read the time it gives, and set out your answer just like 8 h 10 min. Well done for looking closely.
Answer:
2 h 51 min
